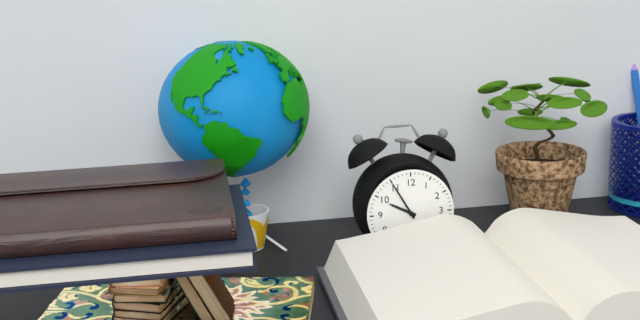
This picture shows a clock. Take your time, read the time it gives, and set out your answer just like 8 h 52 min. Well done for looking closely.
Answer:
9 h 55 min
